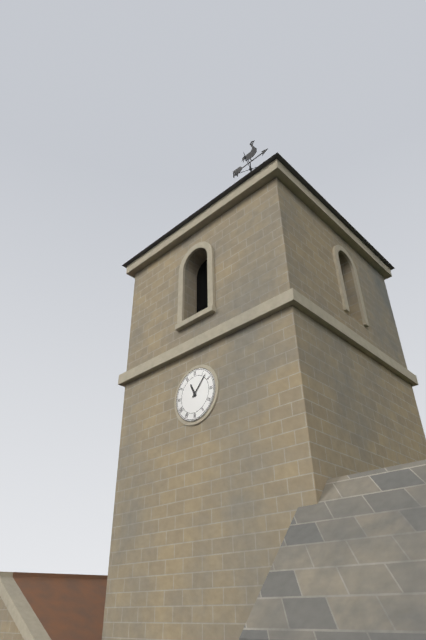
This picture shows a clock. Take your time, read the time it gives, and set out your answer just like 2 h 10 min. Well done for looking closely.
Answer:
11 h 07 min
